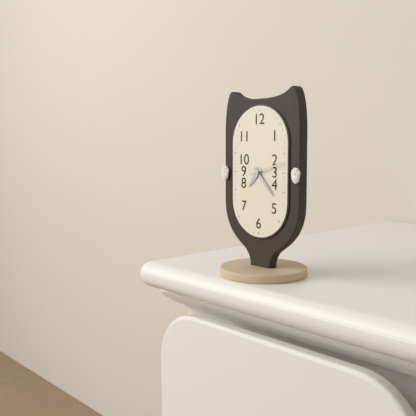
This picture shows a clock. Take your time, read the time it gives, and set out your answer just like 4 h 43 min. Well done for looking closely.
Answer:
7 h 23 min
